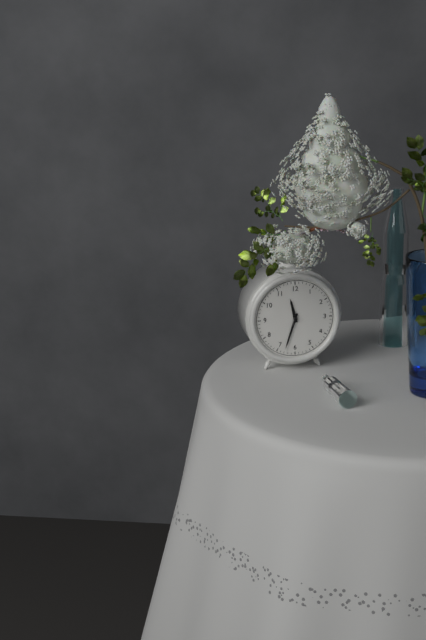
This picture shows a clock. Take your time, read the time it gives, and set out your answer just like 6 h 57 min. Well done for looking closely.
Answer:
11 h 33 min
